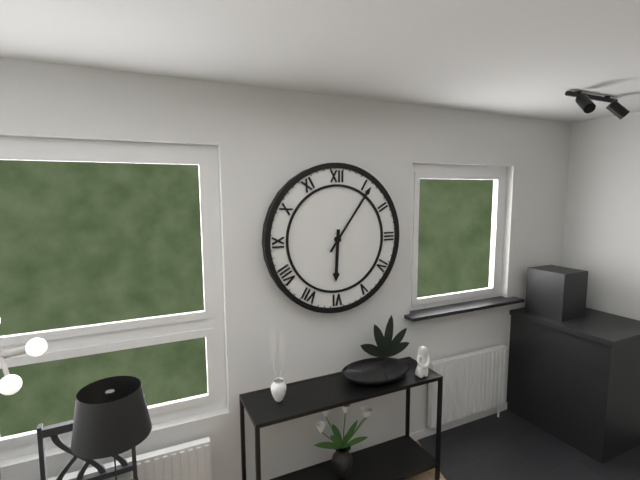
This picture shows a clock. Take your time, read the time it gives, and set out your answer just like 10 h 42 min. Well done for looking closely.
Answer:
6 h 06 min
